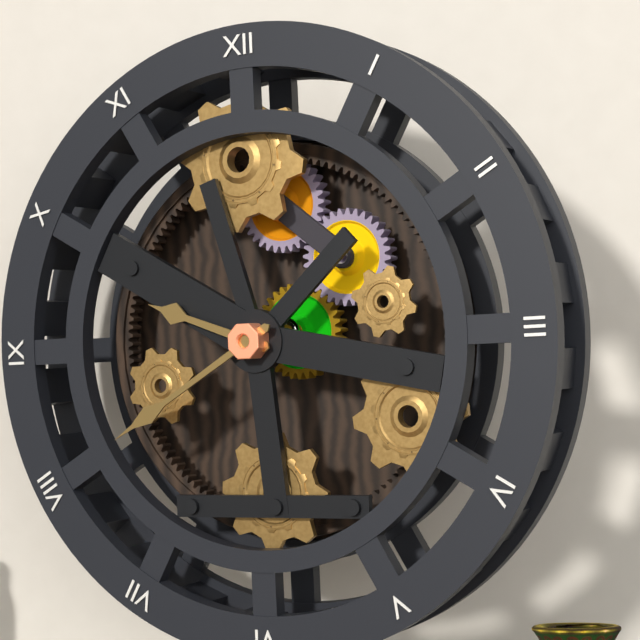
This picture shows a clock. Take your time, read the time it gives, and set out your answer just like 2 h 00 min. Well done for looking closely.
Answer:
9 h 40 min
